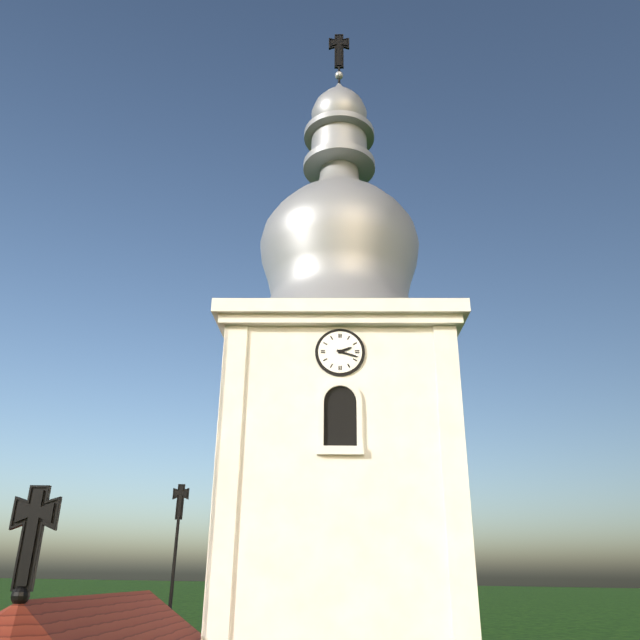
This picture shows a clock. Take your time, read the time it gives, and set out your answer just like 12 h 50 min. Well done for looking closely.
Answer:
2 h 18 min
